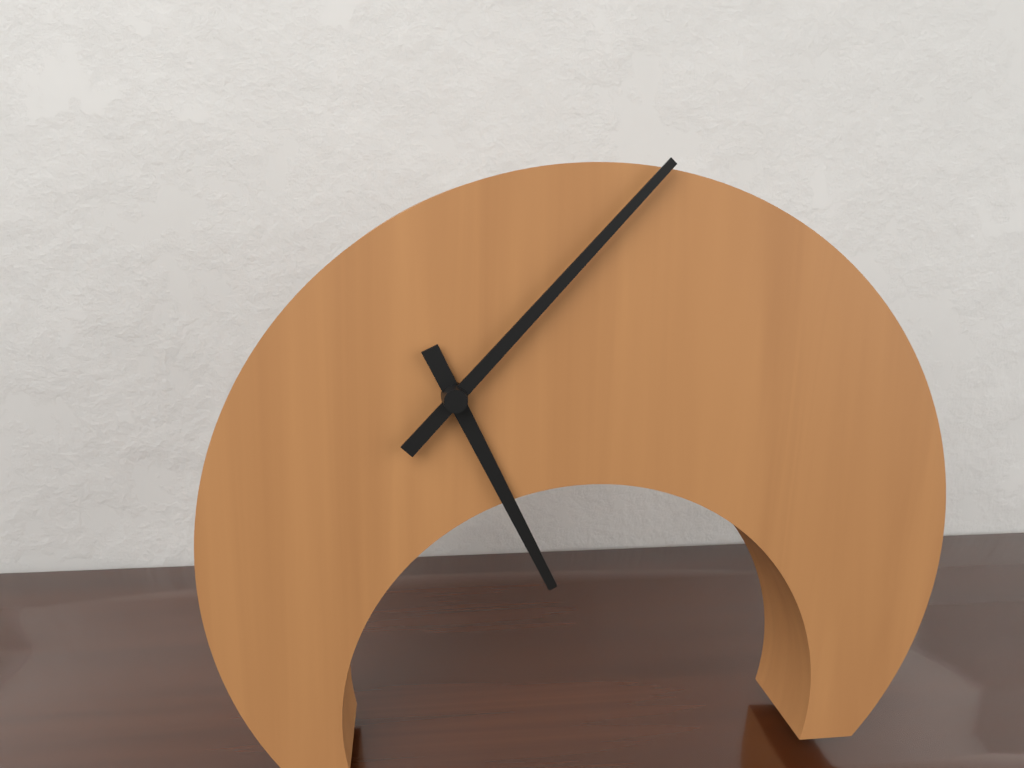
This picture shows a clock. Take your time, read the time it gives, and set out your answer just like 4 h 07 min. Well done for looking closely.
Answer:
5 h 07 min
